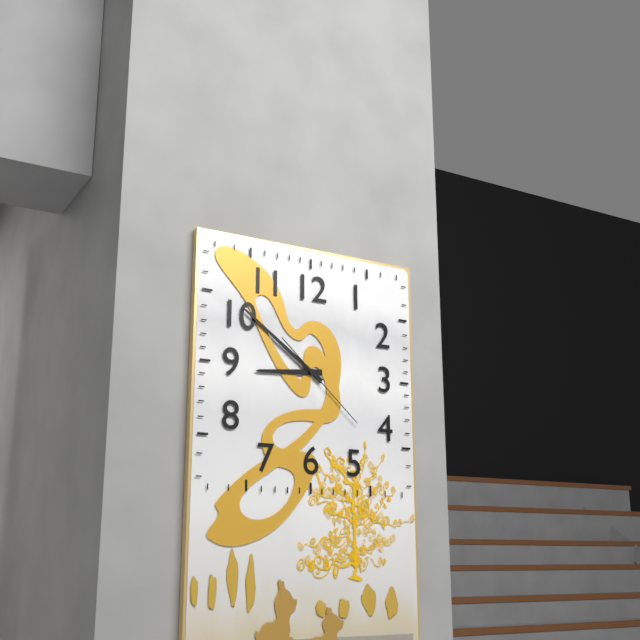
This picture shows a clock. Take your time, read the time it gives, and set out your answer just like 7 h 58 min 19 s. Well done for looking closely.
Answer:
8 h 51 min 22 s
